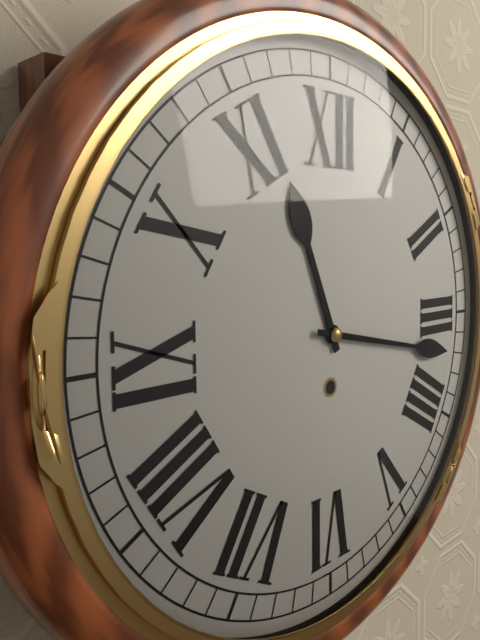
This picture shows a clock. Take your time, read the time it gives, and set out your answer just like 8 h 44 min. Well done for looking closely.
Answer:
11 h 17 min
